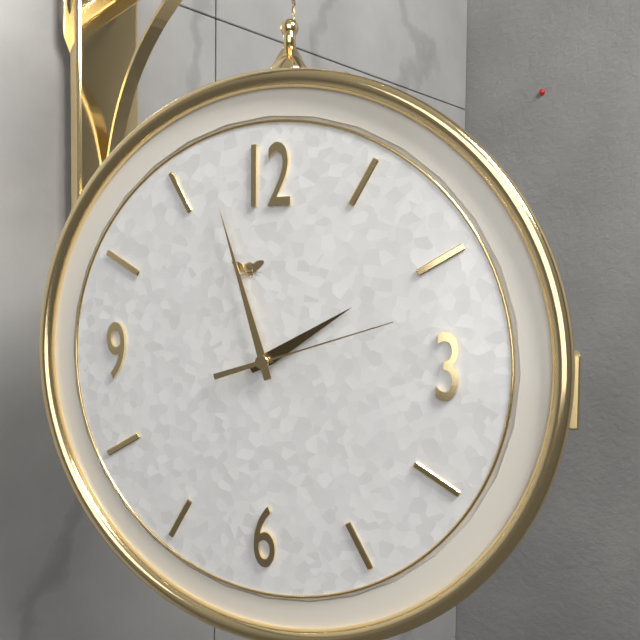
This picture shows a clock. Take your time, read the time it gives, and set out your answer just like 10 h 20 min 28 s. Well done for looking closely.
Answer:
1 h 57 min 12 s
